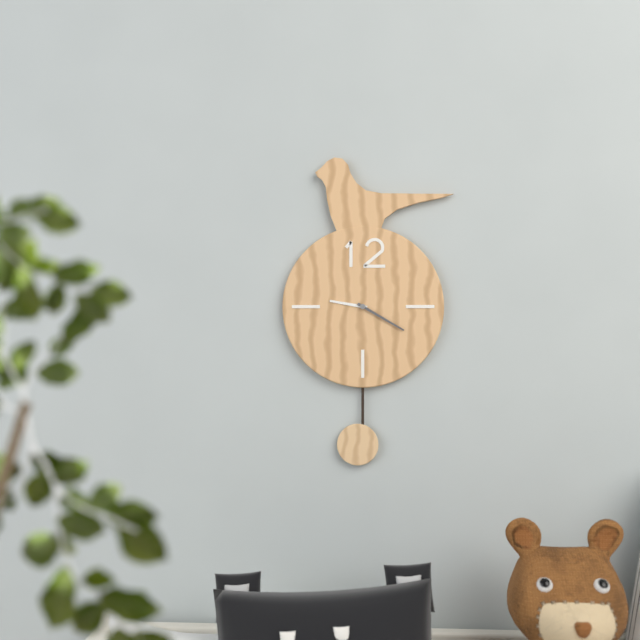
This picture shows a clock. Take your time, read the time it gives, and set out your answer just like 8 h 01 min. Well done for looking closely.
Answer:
9 h 20 min
